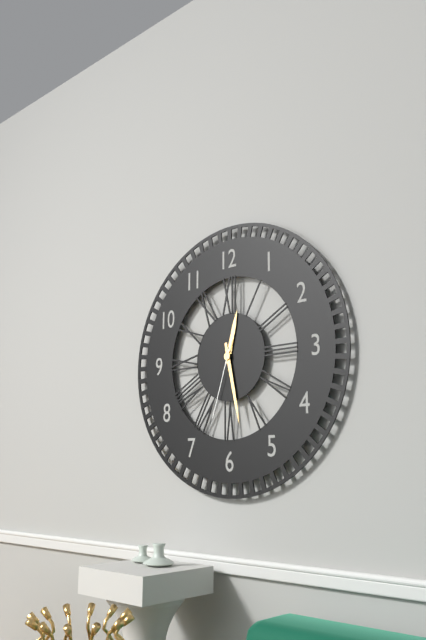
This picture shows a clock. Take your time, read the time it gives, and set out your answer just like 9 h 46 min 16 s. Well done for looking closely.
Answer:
12 h 28 min 33 s
